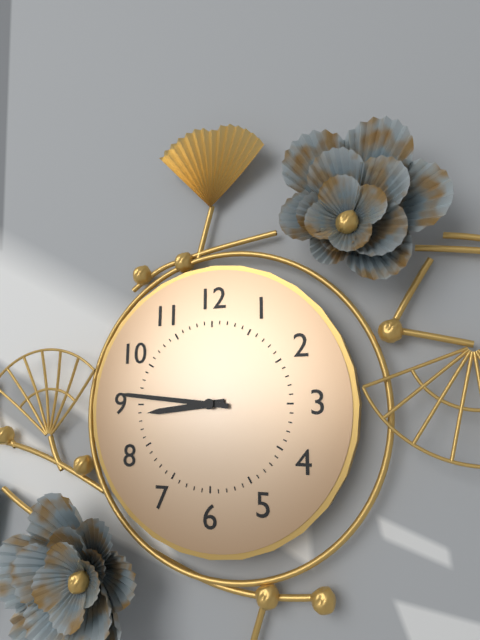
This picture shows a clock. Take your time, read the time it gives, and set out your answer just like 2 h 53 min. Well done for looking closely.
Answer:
8 h 46 min
